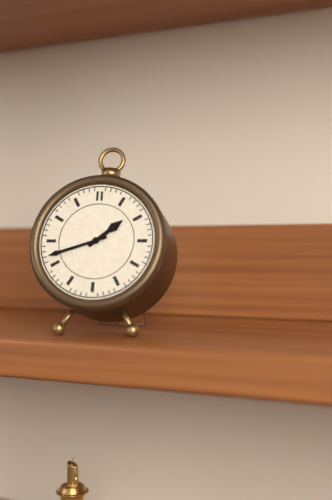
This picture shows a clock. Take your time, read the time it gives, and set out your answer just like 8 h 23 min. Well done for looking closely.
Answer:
1 h 42 min
